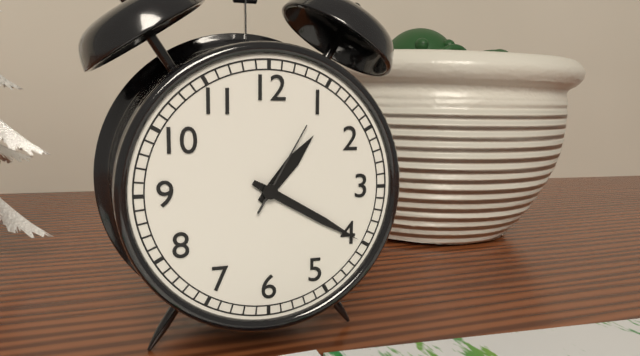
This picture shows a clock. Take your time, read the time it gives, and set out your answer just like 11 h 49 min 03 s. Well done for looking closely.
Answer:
1 h 20 min 05 s
